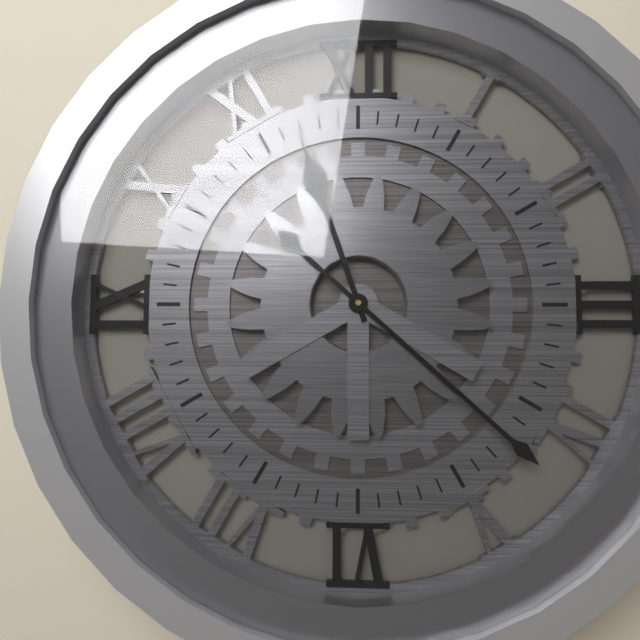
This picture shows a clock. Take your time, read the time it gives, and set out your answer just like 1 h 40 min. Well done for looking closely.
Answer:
11 h 22 min
